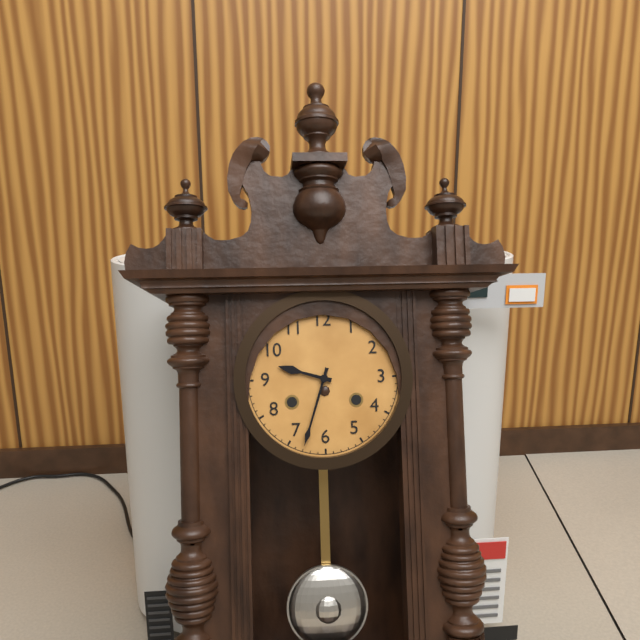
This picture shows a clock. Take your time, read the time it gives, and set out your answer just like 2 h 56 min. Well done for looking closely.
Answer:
9 h 33 min
